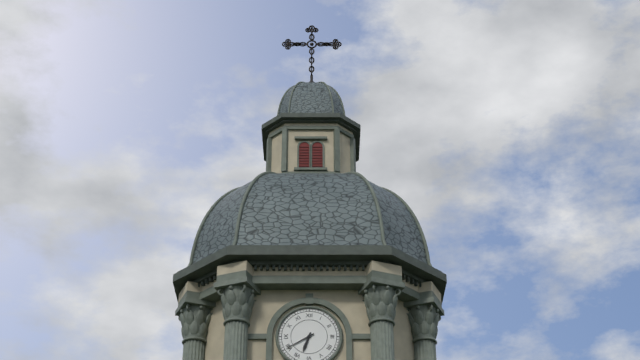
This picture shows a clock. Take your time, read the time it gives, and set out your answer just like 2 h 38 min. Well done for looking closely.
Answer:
6 h 40 min
